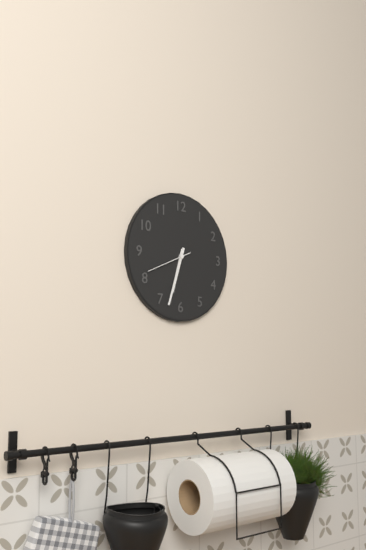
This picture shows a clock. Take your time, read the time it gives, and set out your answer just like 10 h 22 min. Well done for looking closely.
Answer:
6 h 33 min
